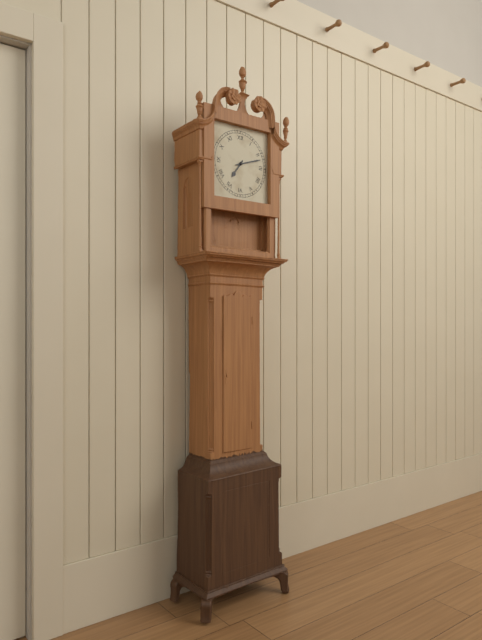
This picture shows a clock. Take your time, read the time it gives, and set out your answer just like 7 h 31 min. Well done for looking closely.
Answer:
7 h 12 min
